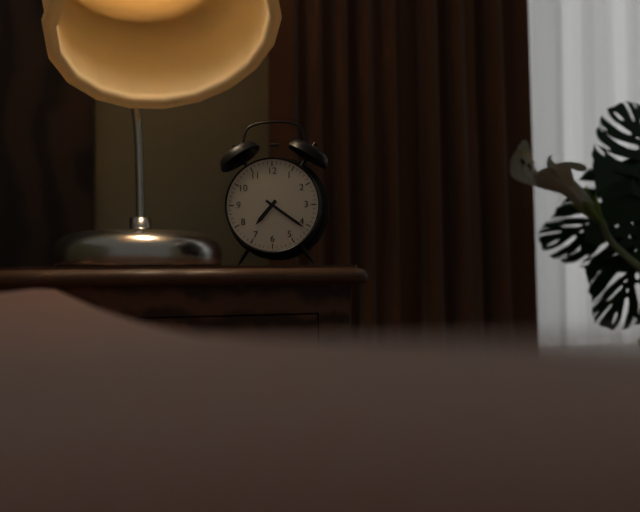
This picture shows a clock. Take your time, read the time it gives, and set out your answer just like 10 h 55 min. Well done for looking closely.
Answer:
7 h 21 min
